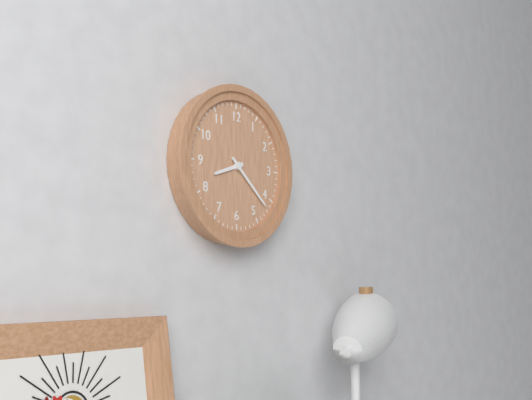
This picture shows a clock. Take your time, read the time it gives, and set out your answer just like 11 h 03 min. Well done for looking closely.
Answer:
8 h 22 min
